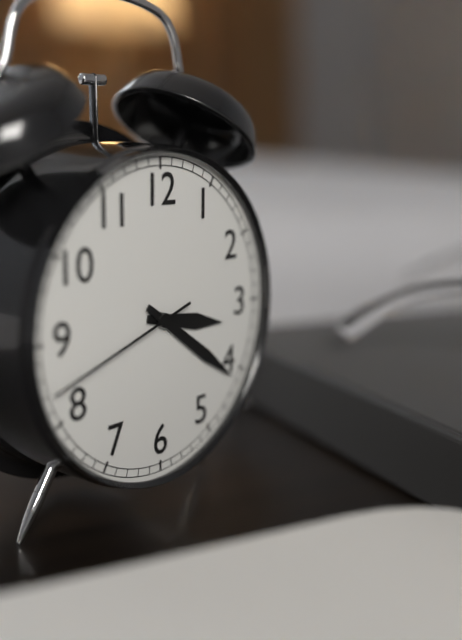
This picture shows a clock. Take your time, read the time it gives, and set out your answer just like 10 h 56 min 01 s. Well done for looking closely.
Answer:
3 h 21 min 42 s
